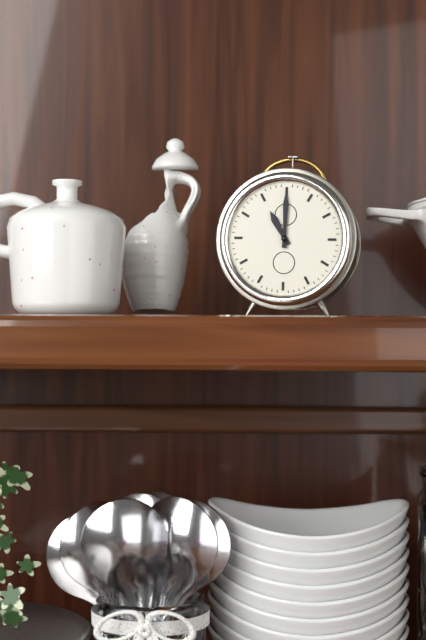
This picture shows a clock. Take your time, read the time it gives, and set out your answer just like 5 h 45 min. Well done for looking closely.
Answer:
11 h 00 min
